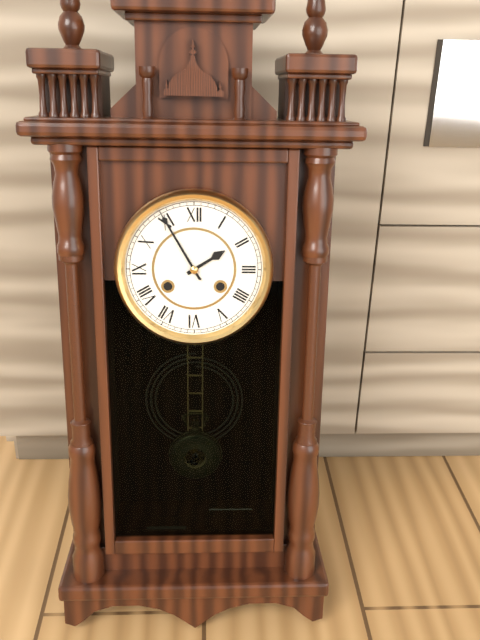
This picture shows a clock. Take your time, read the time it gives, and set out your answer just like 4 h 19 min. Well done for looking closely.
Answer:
1 h 55 min
